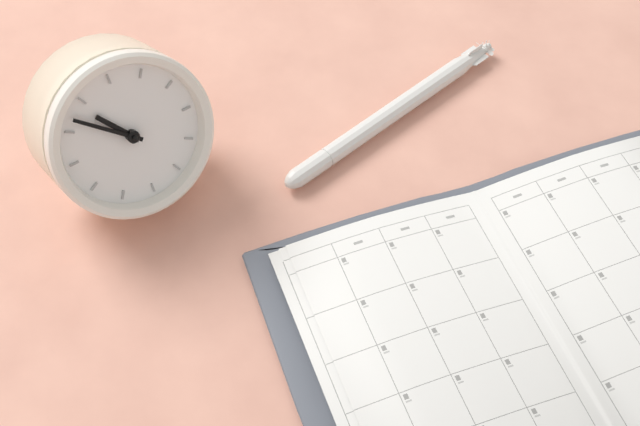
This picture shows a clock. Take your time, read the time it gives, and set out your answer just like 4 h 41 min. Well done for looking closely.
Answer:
9 h 47 min
